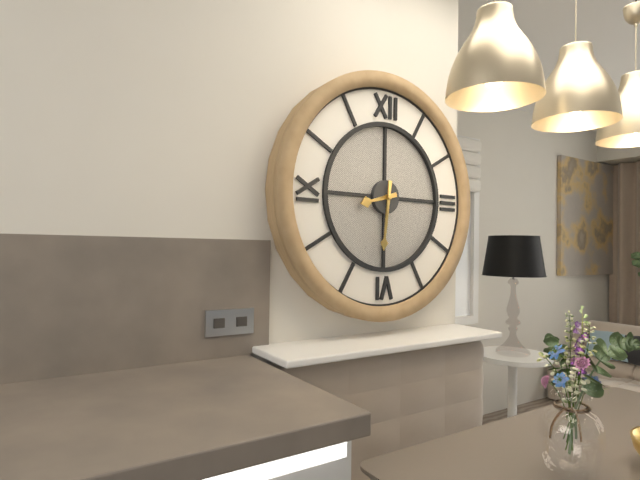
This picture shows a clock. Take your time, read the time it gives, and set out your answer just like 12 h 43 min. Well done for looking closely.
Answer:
8 h 31 min
